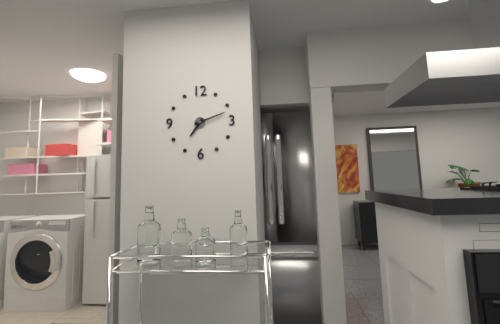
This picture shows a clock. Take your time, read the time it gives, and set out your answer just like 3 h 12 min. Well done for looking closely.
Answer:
7 h 12 min
